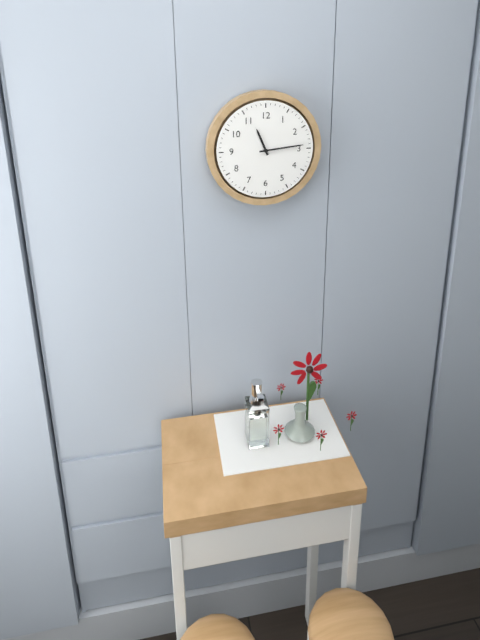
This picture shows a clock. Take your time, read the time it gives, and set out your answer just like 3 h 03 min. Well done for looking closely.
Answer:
11 h 14 min
